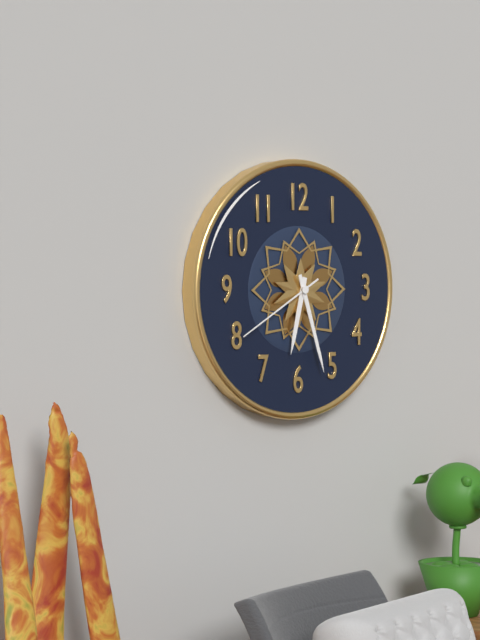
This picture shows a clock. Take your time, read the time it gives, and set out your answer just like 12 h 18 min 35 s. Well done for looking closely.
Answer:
6 h 27 min 40 s
